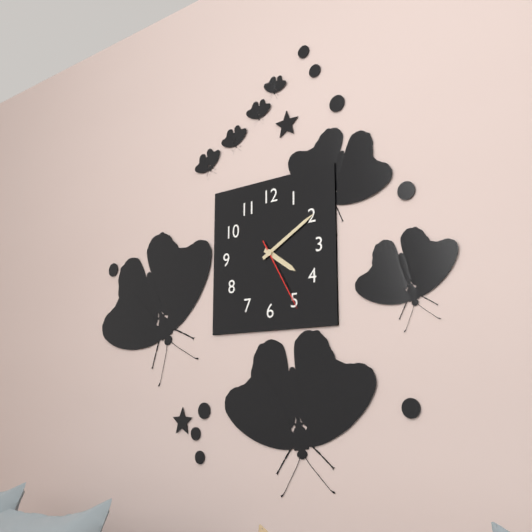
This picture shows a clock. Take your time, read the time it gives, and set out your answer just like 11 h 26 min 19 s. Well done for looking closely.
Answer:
4 h 10 min 25 s
